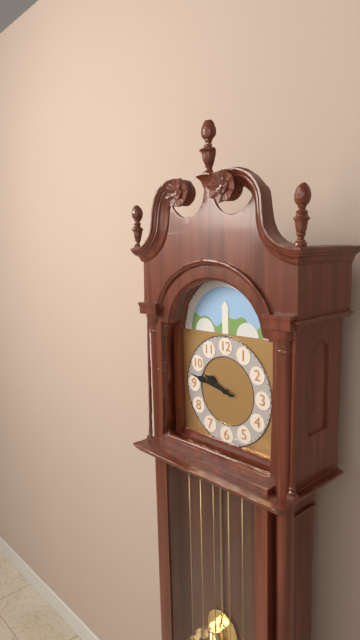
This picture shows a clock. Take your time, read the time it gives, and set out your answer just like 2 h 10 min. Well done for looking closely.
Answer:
9 h 47 min
